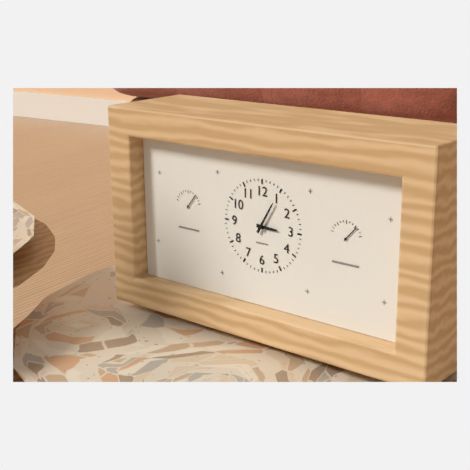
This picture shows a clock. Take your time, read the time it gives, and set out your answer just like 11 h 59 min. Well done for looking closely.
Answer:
3 h 05 min
